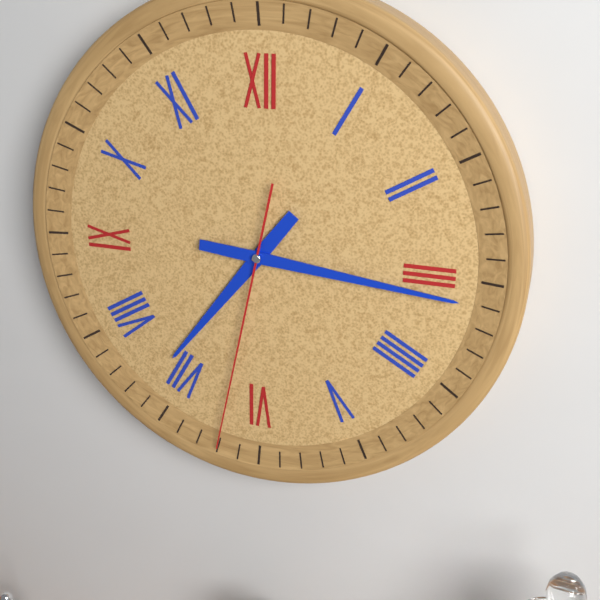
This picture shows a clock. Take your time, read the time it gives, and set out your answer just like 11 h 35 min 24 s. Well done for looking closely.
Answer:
7 h 16 min 32 s
